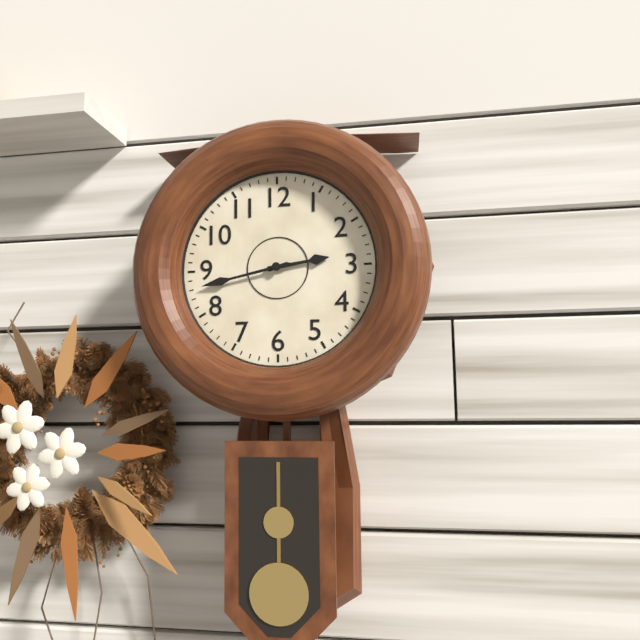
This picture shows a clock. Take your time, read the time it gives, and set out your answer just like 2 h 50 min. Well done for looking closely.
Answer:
2 h 43 min
